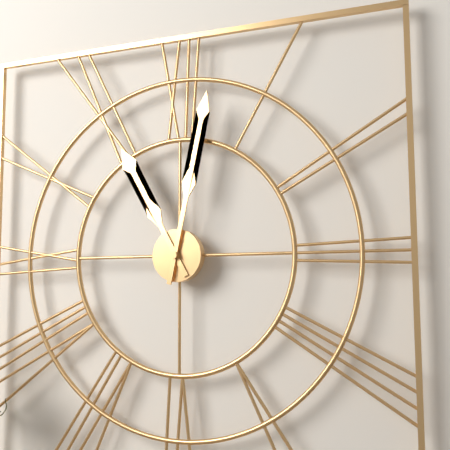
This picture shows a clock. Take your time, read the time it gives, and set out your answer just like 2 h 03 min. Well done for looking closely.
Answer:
11 h 02 min
